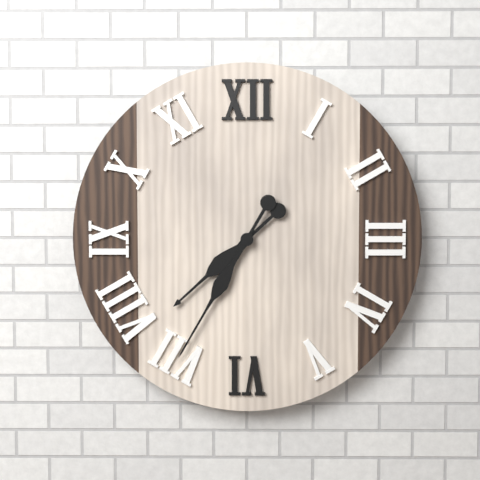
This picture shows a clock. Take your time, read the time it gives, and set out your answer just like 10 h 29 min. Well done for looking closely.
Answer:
7 h 35 min
